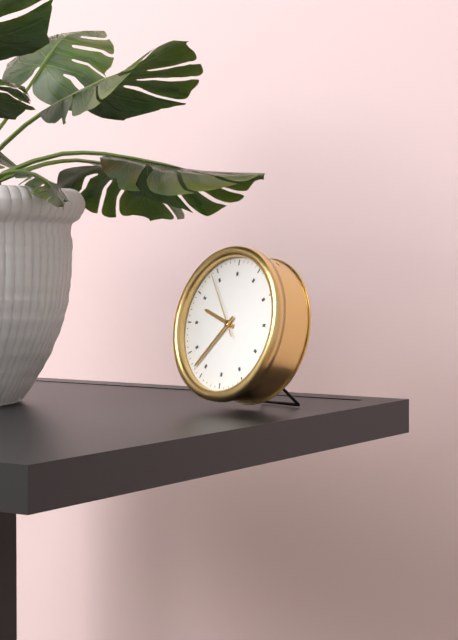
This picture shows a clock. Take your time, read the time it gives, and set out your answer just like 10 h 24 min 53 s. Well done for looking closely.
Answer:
9 h 37 min 54 s
